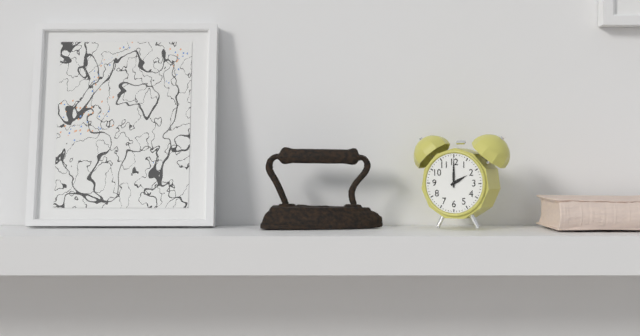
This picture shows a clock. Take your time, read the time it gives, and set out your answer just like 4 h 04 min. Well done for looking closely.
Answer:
2 h 00 min
